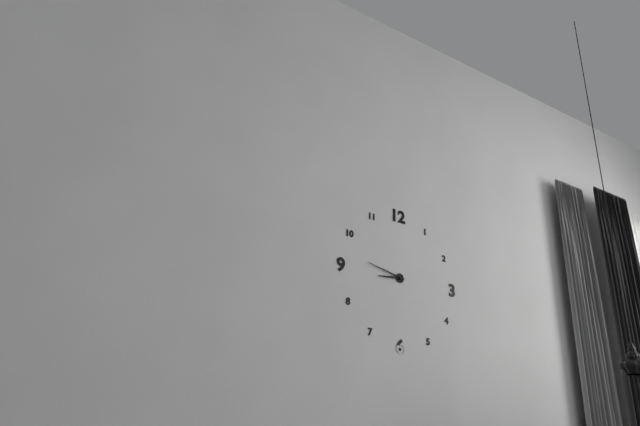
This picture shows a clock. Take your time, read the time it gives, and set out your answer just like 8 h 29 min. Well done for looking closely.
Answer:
8 h 47 min
